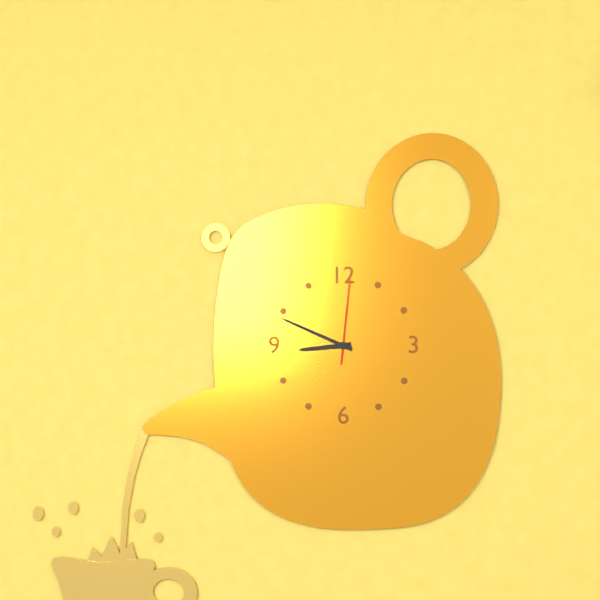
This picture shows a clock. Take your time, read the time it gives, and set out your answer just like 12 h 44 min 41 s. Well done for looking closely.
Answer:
8 h 49 min 01 s
